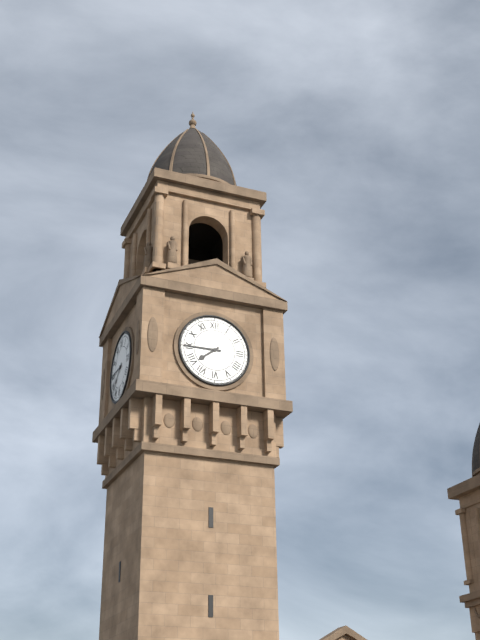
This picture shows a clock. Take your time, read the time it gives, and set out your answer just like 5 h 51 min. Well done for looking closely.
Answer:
7 h 45 min
